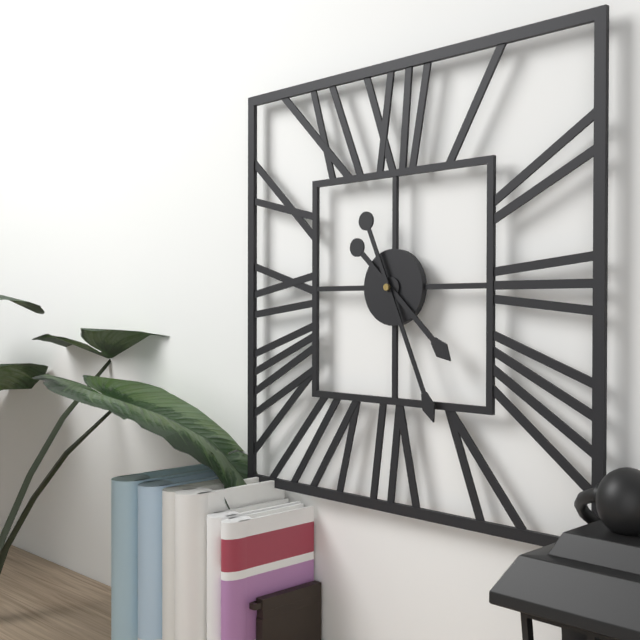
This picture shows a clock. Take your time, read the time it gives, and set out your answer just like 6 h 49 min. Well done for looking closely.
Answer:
4 h 26 min
